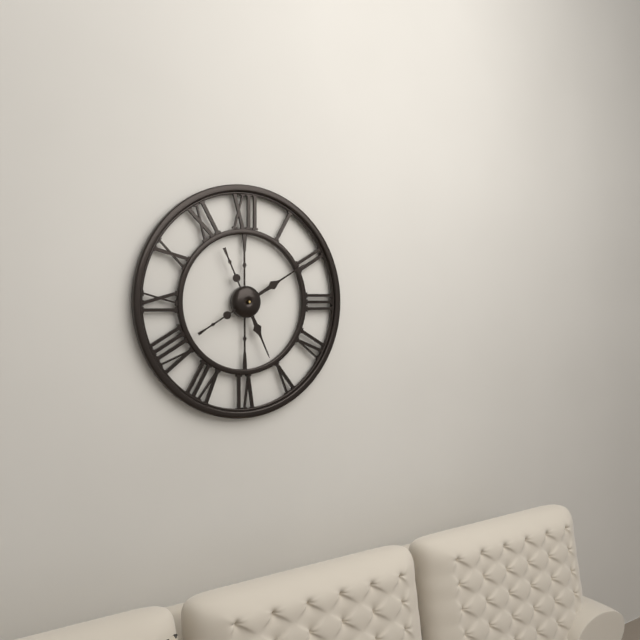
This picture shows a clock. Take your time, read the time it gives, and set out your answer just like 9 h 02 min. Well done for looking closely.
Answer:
5 h 10 min
